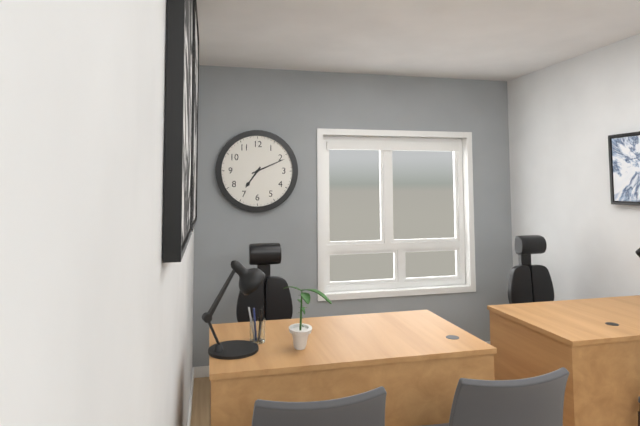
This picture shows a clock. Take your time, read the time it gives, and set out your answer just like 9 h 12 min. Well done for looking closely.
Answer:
7 h 11 min
